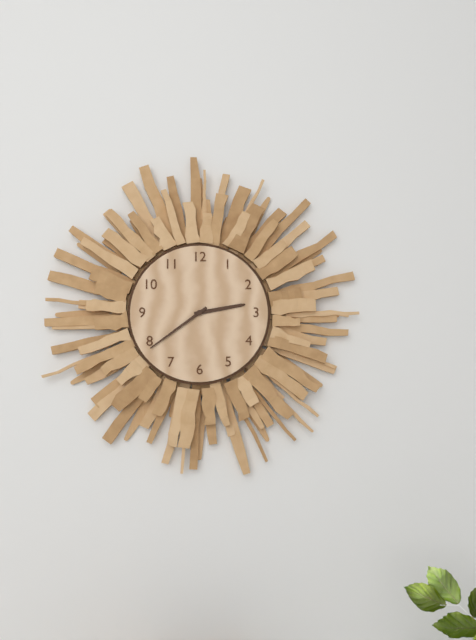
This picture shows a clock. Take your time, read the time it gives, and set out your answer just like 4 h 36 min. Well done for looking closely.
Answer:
2 h 39 min
